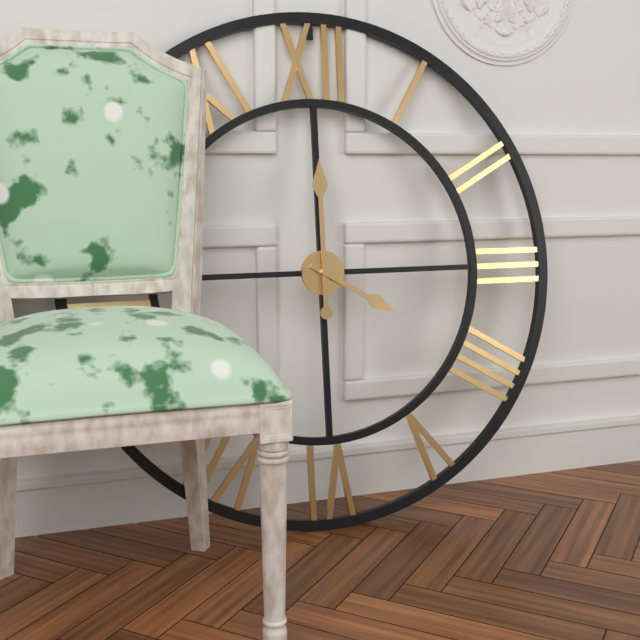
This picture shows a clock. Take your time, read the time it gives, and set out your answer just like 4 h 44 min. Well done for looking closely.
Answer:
4 h 00 min
